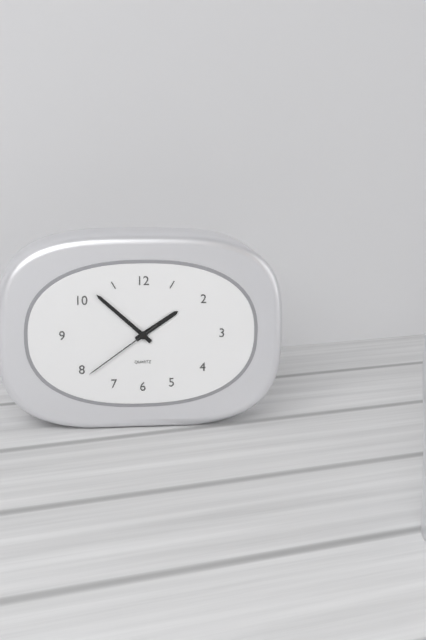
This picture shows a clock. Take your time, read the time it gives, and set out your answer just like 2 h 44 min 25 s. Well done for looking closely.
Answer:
1 h 52 min 39 s
